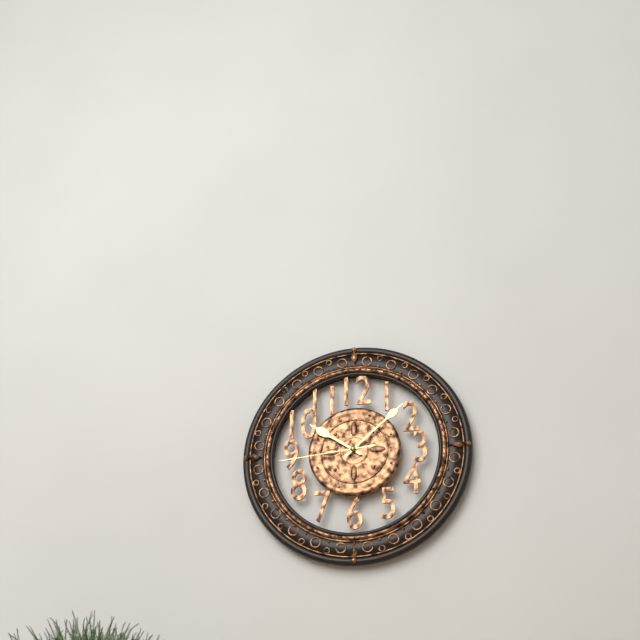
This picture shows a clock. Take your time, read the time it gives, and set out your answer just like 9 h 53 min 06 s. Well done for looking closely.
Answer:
10 h 08 min 44 s
